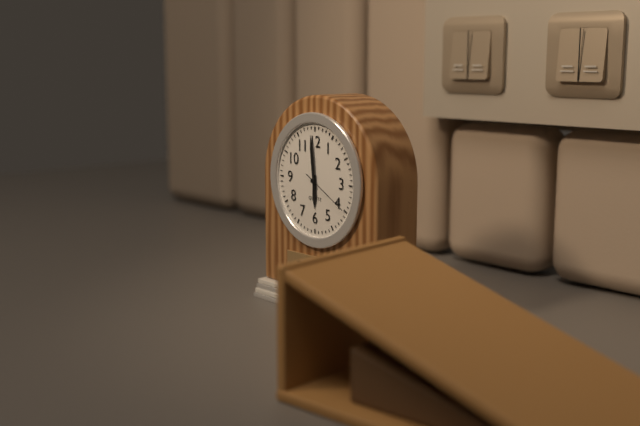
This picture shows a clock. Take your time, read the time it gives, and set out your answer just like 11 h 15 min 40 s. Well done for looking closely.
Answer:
5 h 59 min 20 s
